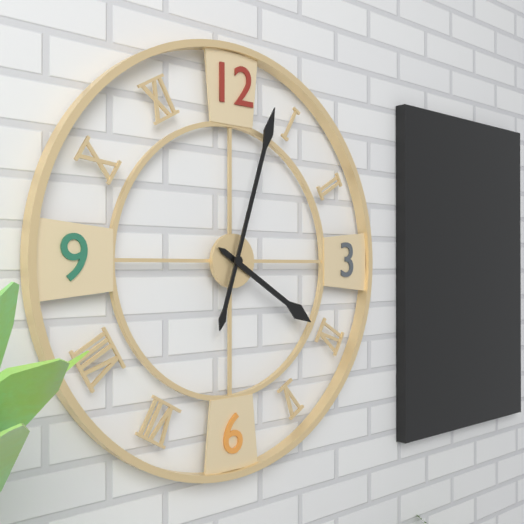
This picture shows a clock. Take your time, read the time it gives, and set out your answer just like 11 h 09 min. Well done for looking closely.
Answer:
4 h 03 min
